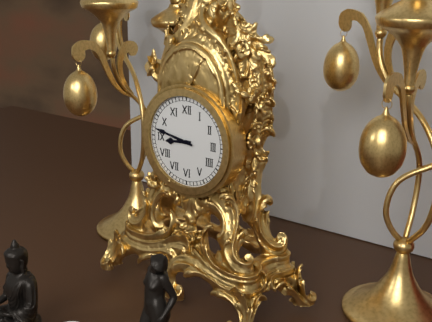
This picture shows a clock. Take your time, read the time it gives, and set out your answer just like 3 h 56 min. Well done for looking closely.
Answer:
8 h 47 min
